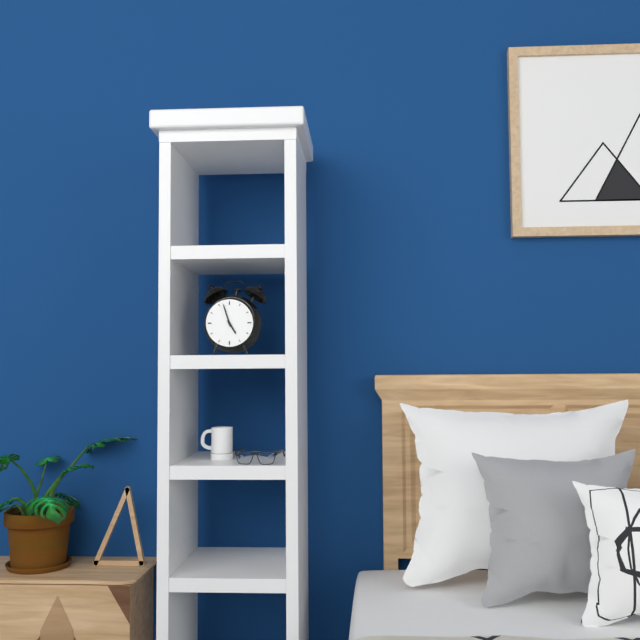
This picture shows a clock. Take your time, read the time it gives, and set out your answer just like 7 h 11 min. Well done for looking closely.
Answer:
4 h 57 min
